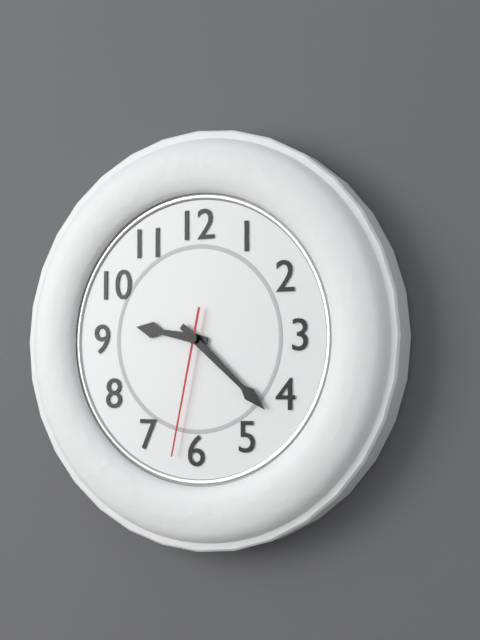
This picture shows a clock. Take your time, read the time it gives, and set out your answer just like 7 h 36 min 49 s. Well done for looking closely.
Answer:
9 h 22 min 32 s
